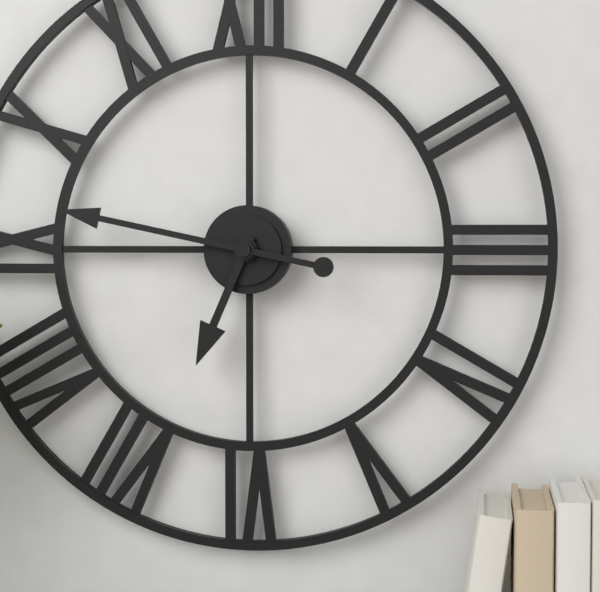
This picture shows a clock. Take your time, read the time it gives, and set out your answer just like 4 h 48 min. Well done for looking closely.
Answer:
6 h 47 min
